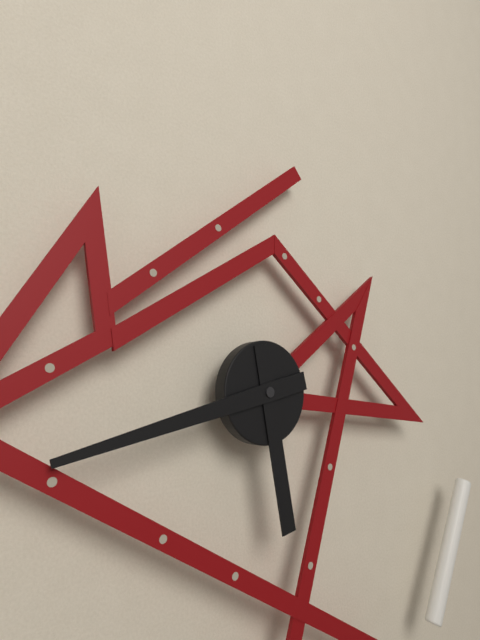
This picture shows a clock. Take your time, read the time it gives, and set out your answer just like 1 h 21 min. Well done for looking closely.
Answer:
5 h 43 min
